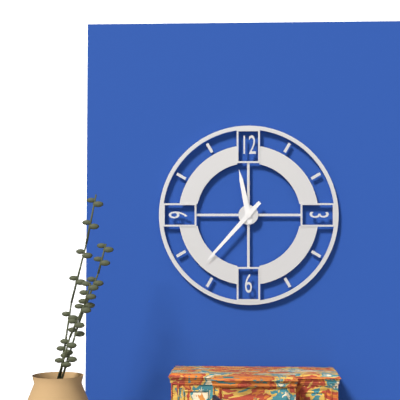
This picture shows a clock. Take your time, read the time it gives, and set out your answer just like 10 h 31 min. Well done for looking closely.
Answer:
11 h 37 min
